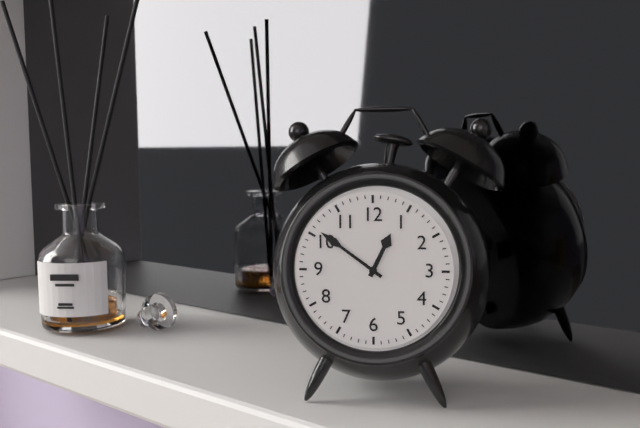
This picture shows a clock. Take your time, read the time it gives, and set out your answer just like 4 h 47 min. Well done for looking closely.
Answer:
12 h 51 min
